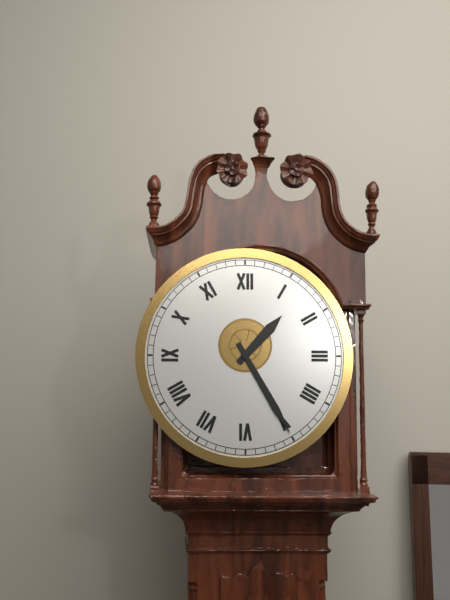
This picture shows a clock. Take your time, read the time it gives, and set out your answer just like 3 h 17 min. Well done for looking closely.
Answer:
1 h 25 min
